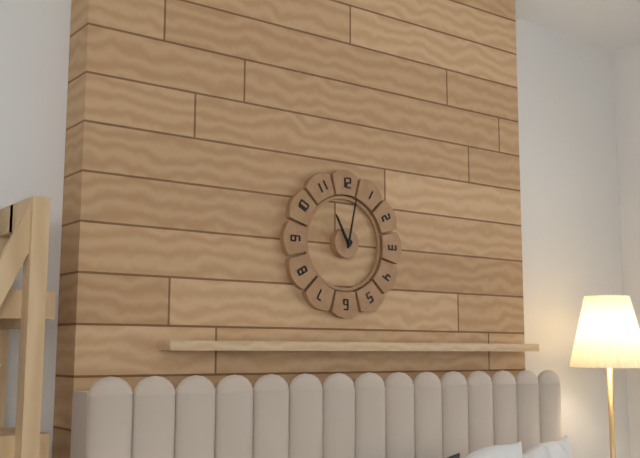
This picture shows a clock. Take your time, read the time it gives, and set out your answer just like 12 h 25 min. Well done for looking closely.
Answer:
11 h 02 min
